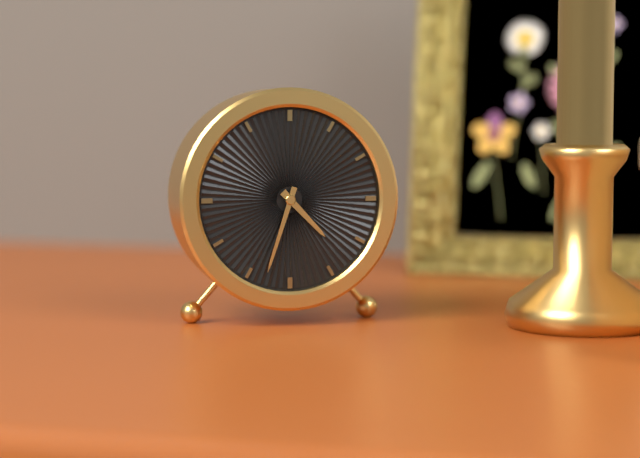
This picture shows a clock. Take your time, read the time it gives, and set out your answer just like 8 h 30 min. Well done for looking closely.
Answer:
4 h 33 min
